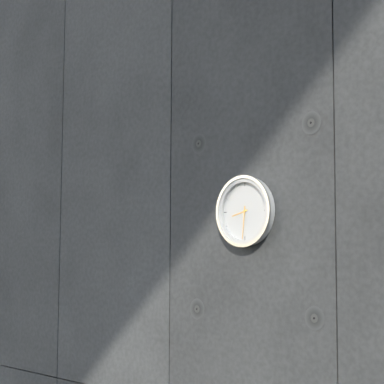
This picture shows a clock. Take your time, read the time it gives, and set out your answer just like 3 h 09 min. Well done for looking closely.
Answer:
8 h 31 min
